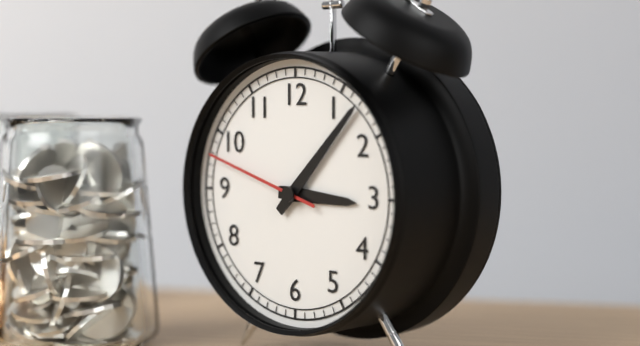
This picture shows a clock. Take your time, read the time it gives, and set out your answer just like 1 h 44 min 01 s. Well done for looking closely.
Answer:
3 h 07 min 48 s
